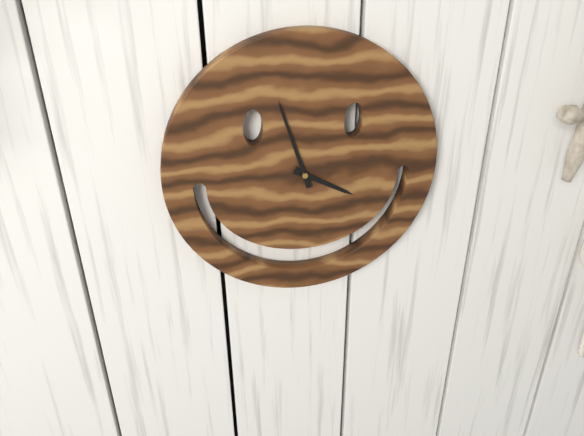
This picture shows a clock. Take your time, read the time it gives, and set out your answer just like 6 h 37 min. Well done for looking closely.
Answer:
3 h 57 min
